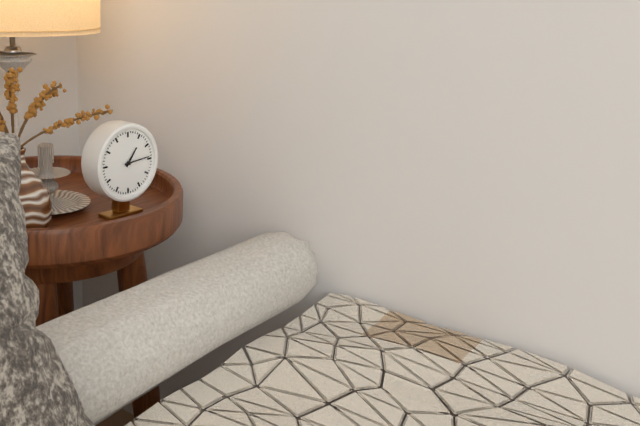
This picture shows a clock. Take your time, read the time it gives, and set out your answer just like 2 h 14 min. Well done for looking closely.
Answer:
1 h 14 min
